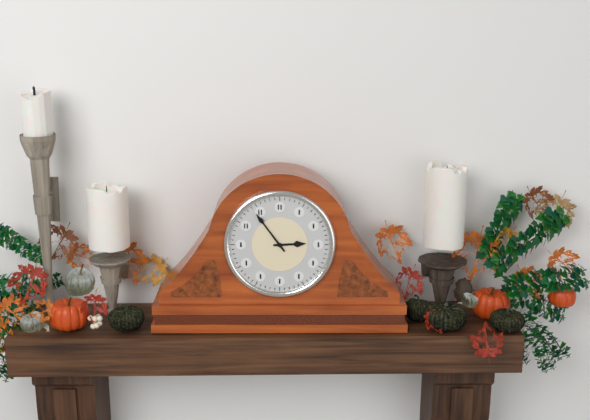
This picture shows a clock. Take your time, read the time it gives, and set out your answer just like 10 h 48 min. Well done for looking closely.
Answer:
2 h 54 min
